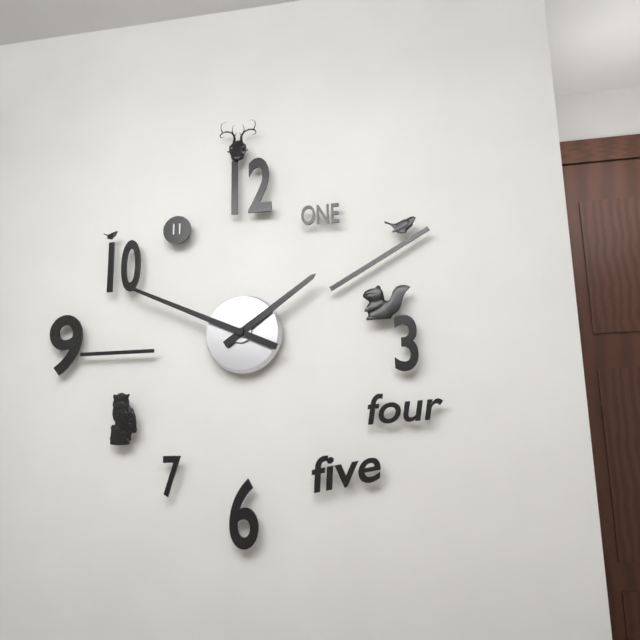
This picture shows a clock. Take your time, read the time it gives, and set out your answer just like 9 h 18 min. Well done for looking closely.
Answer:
1 h 49 min
